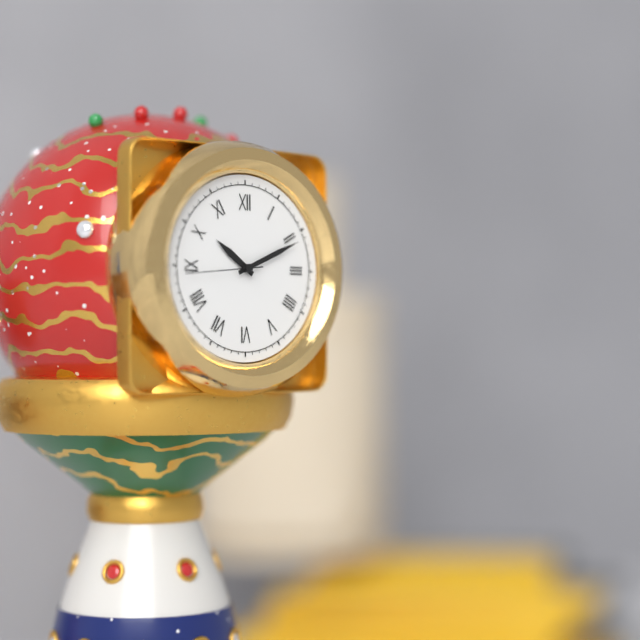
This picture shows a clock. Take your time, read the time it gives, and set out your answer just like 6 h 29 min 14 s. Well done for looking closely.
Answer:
10 h 11 min 44 s
